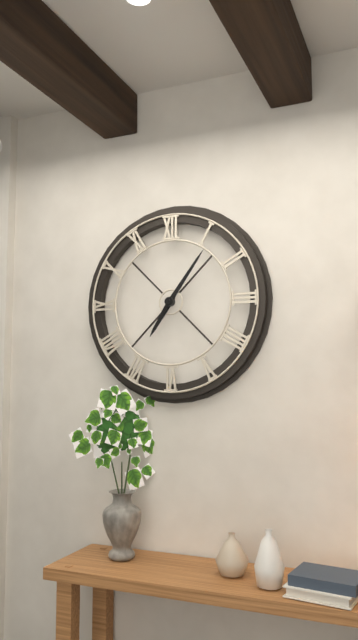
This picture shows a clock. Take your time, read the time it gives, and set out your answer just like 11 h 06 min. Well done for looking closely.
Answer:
7 h 06 min
